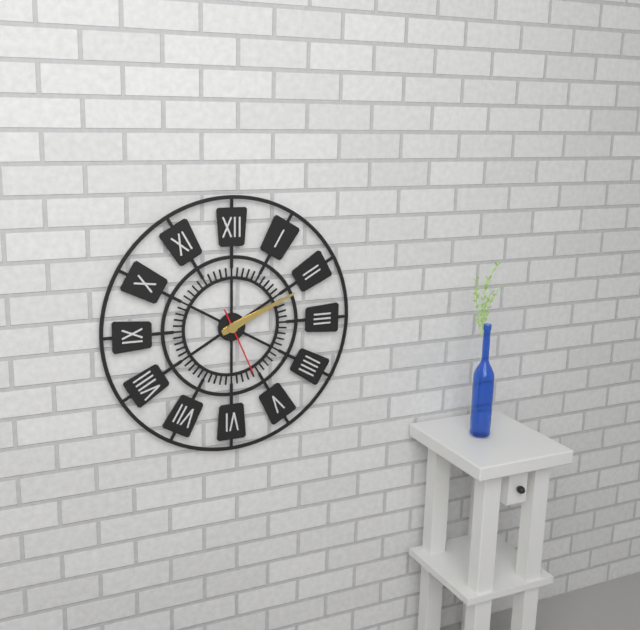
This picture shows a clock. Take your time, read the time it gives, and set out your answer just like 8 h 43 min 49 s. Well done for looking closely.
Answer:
2 h 11 min 26 s
